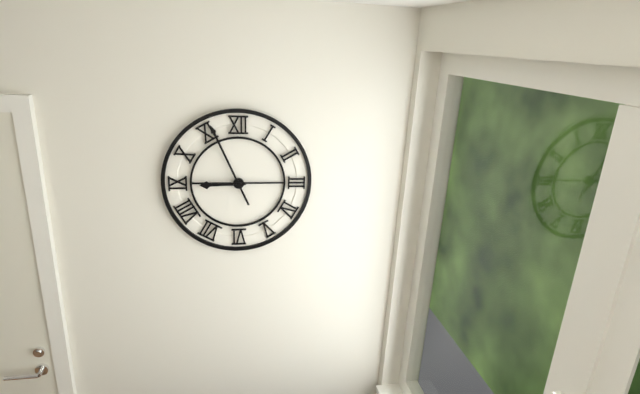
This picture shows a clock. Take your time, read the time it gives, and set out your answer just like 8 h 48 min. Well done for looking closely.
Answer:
8 h 56 min
